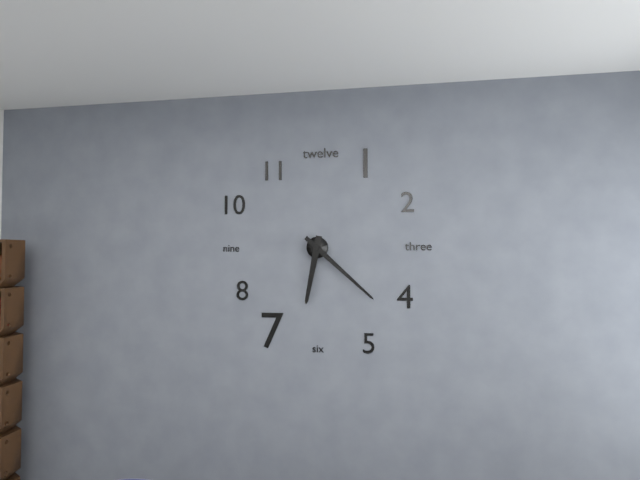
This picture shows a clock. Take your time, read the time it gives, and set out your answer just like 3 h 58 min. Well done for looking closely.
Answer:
6 h 22 min
